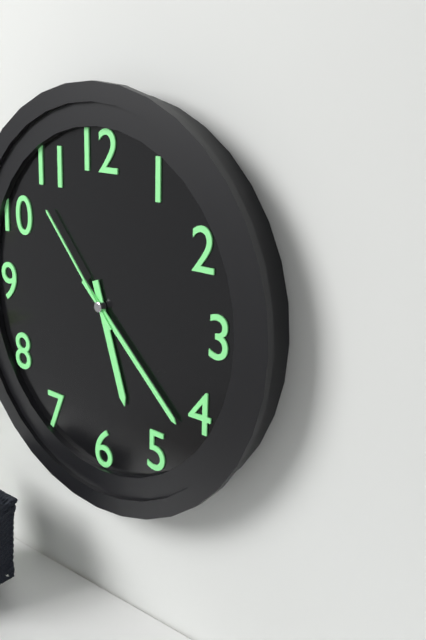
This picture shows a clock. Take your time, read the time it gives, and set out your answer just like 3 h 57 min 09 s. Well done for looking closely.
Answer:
5 h 22 min 53 s
